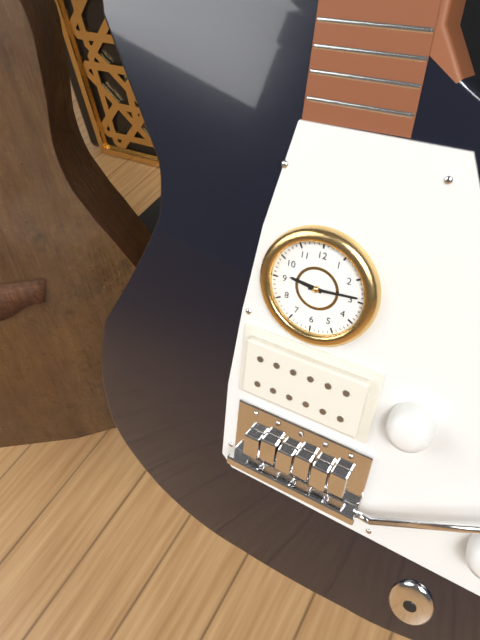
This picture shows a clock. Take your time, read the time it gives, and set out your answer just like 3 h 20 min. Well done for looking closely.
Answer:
9 h 14 min
